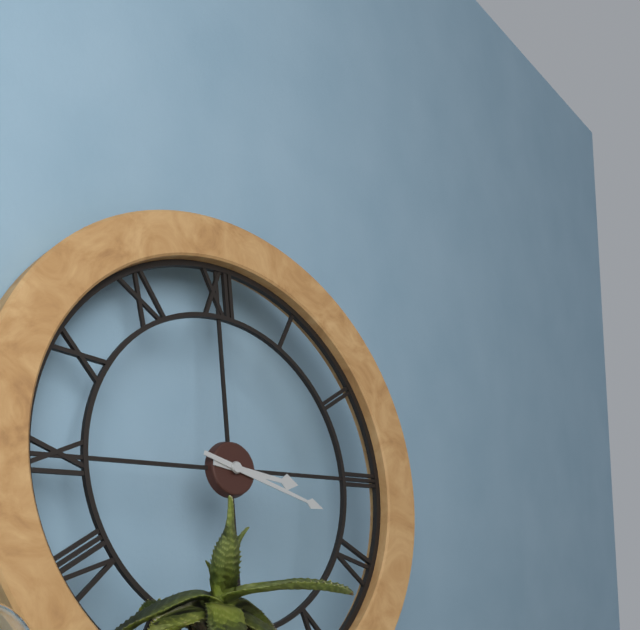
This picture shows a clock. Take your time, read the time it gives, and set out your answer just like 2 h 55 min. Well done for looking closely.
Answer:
3 h 18 min
